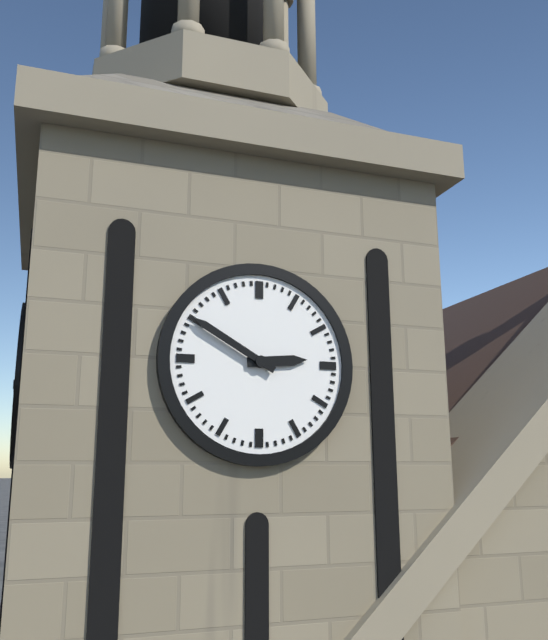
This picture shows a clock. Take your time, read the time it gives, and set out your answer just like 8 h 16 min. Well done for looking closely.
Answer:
2 h 50 min
